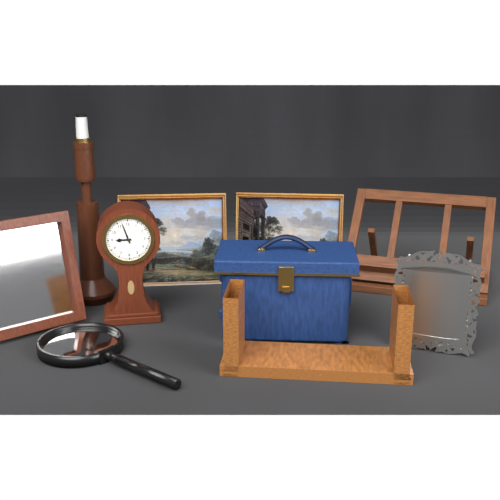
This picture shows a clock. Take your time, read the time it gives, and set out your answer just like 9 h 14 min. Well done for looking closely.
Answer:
8 h 57 min
